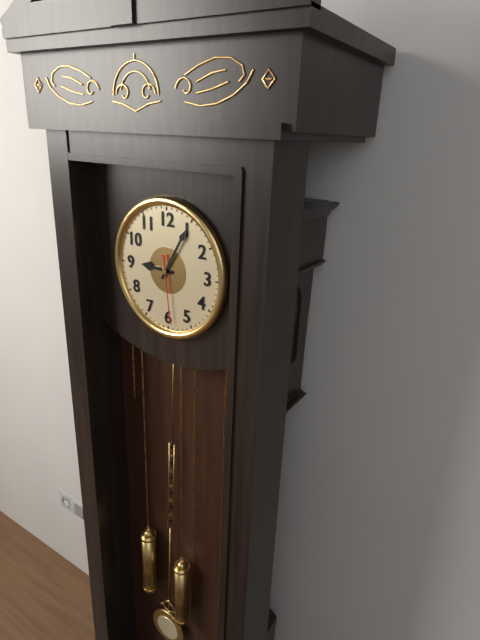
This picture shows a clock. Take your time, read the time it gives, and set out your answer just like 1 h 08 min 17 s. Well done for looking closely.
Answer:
9 h 05 min 29 s
